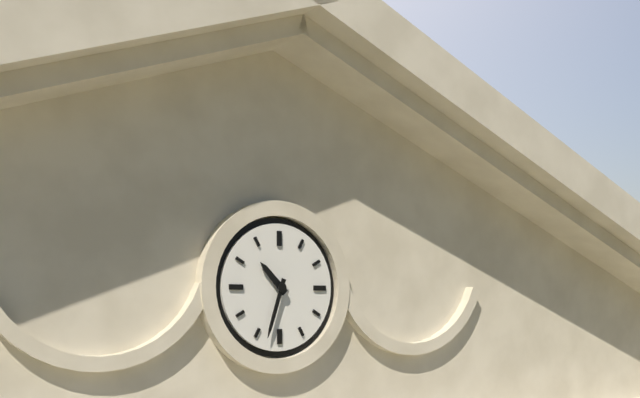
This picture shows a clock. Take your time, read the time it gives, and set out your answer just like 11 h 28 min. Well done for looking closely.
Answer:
10 h 33 min
